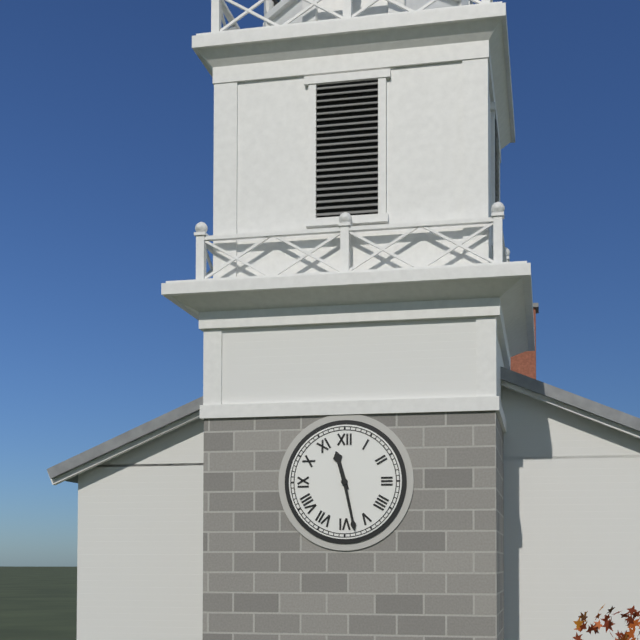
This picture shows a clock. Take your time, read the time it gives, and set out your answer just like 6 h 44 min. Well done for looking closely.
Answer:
11 h 28 min
